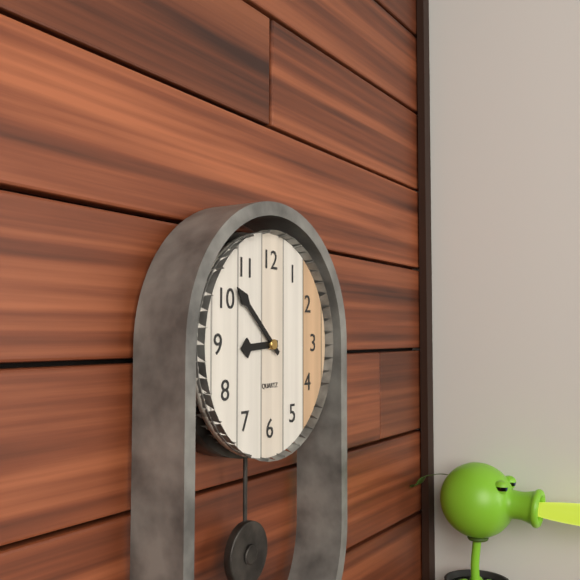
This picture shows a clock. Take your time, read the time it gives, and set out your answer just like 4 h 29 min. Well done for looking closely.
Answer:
8 h 52 min
